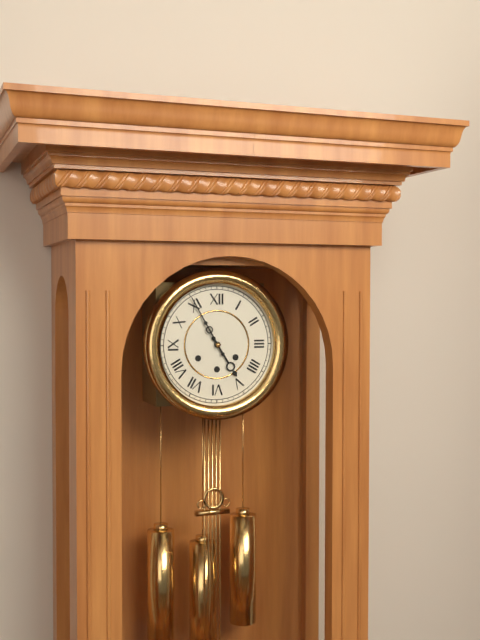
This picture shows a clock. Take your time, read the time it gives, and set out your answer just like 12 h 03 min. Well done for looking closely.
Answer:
4 h 55 min
